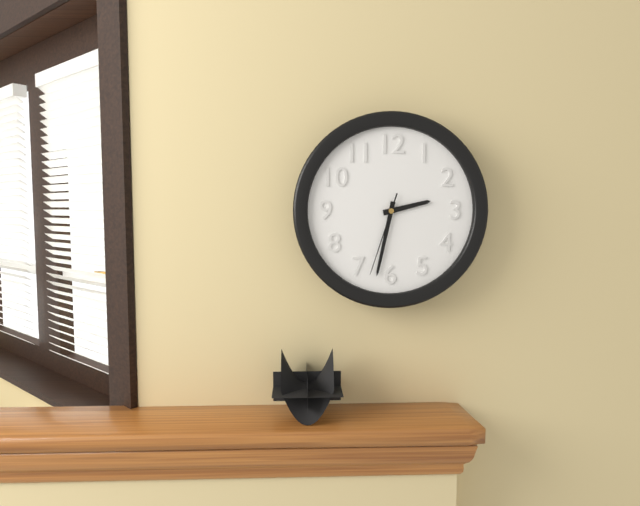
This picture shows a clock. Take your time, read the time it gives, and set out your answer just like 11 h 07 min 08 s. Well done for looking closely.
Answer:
2 h 32 min 33 s
